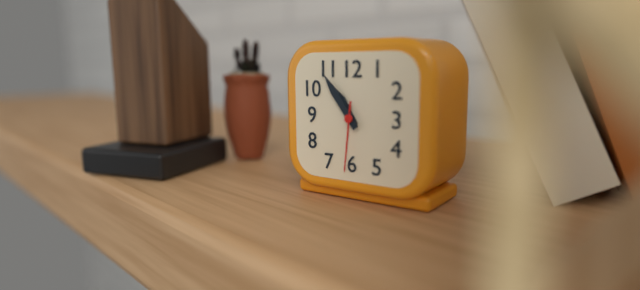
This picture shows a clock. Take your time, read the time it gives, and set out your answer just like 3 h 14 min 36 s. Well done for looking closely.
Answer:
10 h 54 min 31 s
